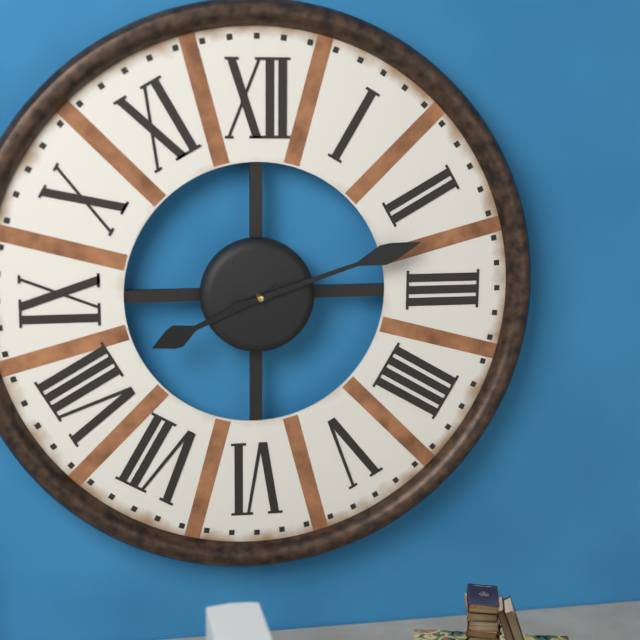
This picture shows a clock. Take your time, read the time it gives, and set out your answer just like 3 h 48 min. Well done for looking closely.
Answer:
8 h 12 min
